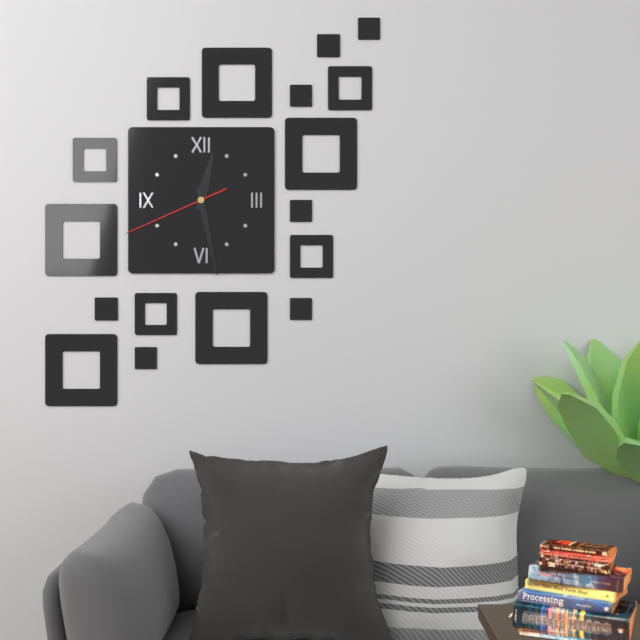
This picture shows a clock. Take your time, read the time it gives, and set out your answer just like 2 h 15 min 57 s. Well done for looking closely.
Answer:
12 h 28 min 41 s
